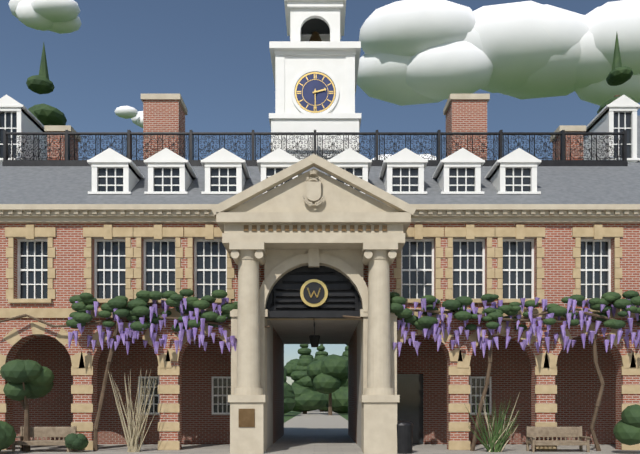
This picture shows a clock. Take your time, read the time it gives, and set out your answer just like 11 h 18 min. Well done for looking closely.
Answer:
2 h 30 min
